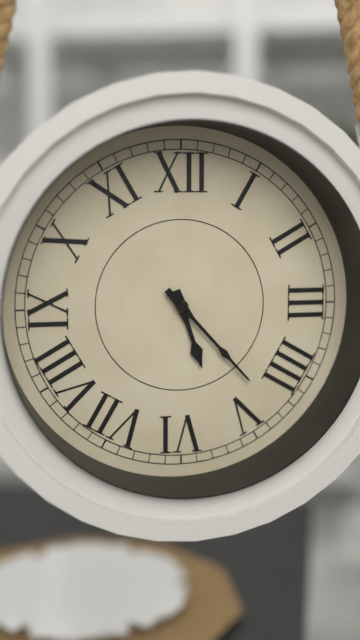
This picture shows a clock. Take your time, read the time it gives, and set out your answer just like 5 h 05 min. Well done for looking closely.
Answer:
5 h 23 min
